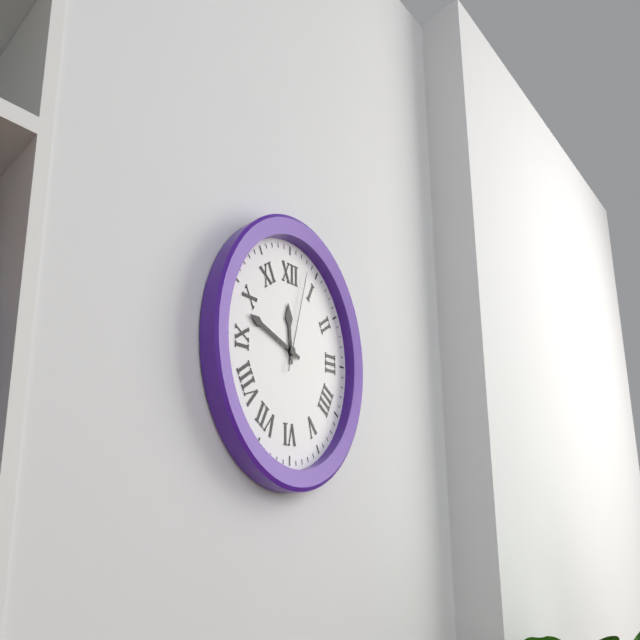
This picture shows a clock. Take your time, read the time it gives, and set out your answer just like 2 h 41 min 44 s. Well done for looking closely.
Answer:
11 h 48 min 03 s
